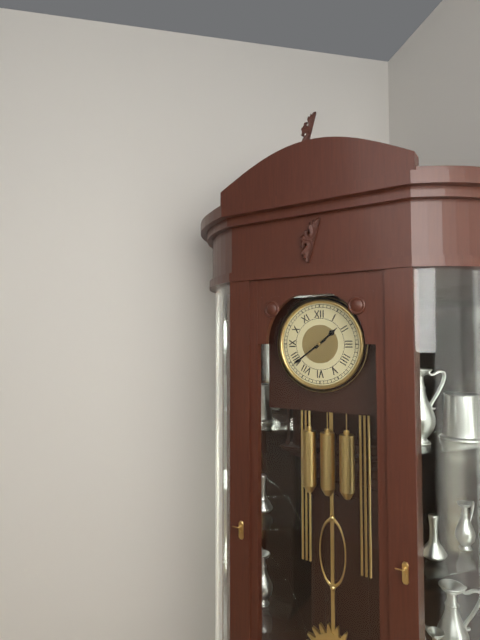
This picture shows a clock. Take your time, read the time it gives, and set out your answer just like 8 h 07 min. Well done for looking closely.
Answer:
1 h 39 min
